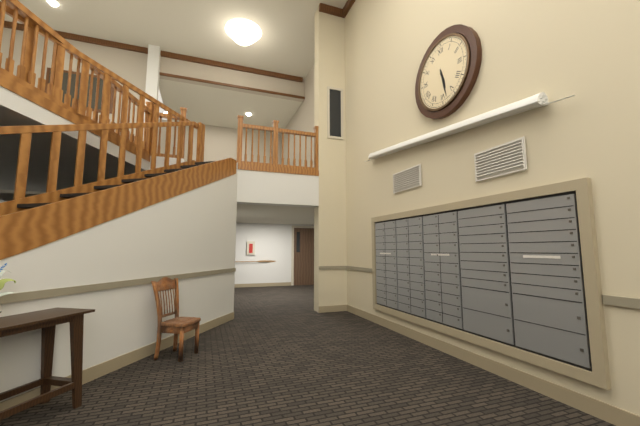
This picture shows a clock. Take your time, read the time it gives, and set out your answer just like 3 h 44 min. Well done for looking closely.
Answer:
5 h 28 min
